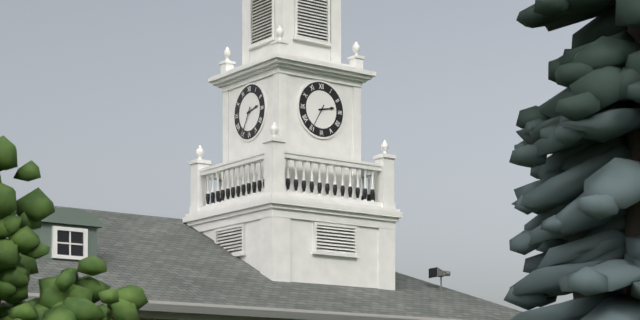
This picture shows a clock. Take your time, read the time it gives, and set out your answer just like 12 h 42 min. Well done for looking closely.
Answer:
2 h 35 min
